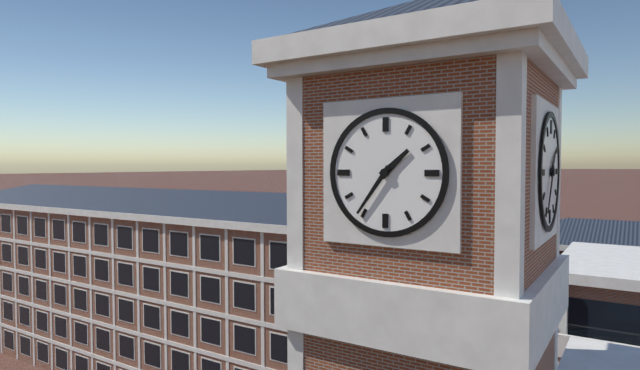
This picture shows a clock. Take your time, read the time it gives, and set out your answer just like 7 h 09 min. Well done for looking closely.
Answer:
1 h 36 min
